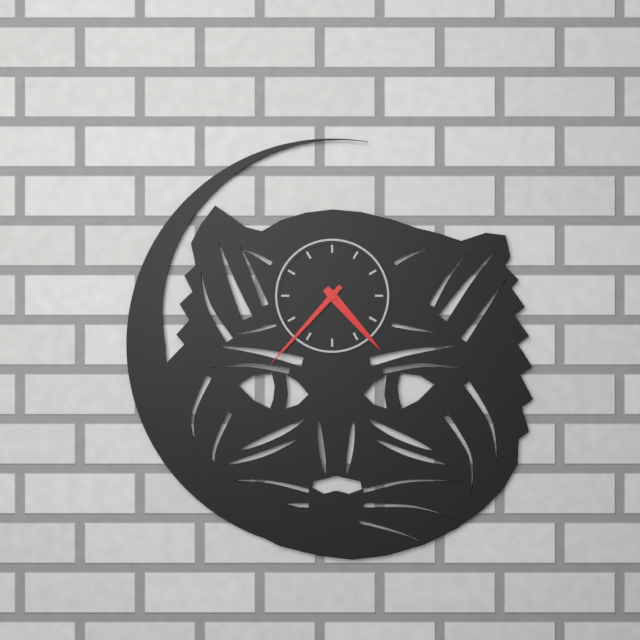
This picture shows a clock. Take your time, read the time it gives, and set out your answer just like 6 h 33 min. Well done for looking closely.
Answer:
4 h 37 min
